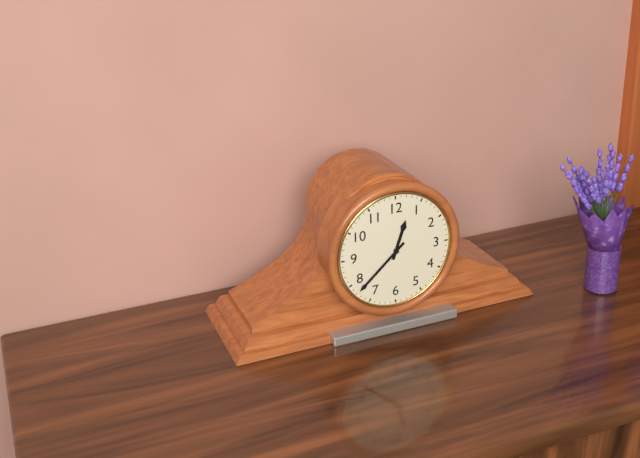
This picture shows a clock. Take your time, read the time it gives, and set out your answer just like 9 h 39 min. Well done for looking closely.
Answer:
12 h 38 min
